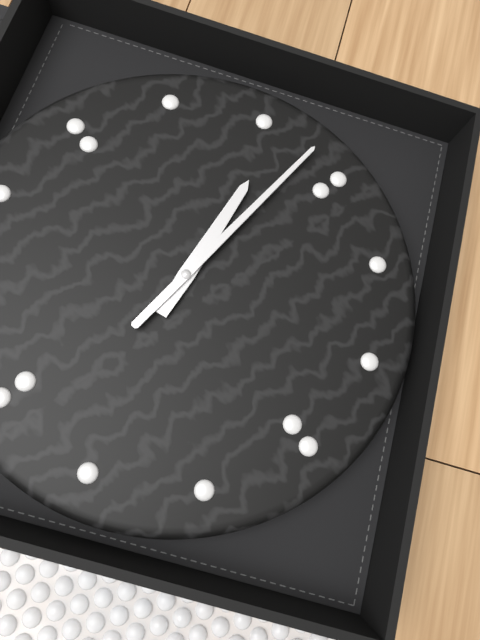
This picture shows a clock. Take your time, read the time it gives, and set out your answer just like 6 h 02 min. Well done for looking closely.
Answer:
2 h 13 min
